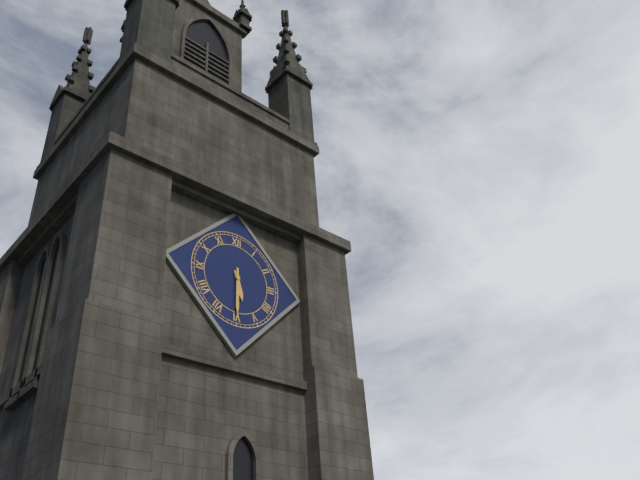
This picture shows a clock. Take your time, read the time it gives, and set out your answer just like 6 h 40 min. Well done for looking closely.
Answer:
5 h 30 min
